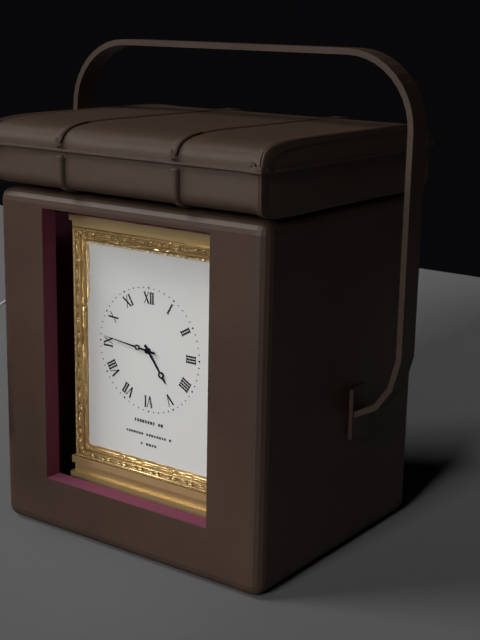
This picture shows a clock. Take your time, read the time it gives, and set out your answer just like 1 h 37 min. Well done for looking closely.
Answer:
4 h 46 min
